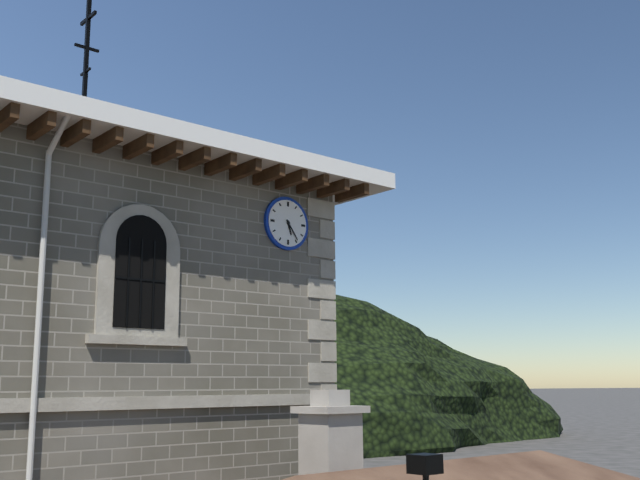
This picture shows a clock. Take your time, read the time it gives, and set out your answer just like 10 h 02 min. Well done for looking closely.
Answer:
5 h 24 min
